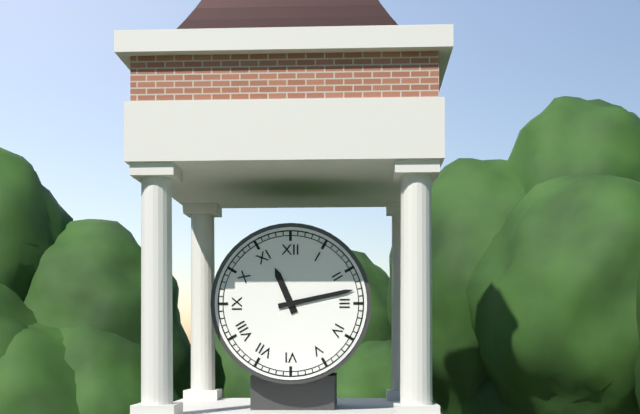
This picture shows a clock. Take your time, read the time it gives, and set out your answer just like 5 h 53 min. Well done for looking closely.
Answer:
11 h 13 min
